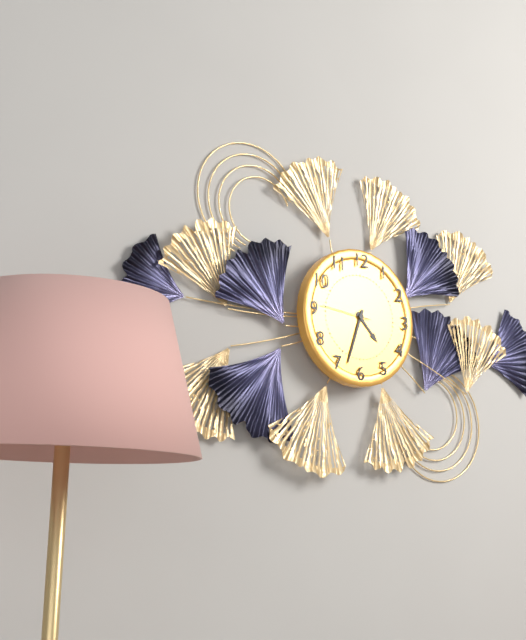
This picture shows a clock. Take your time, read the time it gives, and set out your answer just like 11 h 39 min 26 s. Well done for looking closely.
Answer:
4 h 33 min 46 s
